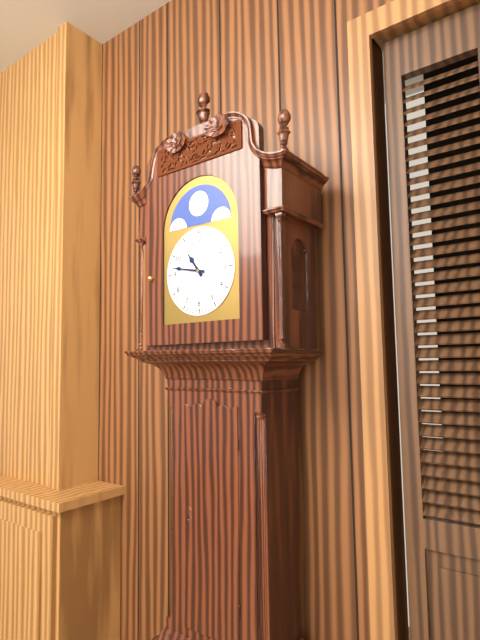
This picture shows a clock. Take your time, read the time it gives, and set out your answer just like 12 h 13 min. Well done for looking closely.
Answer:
10 h 47 min
